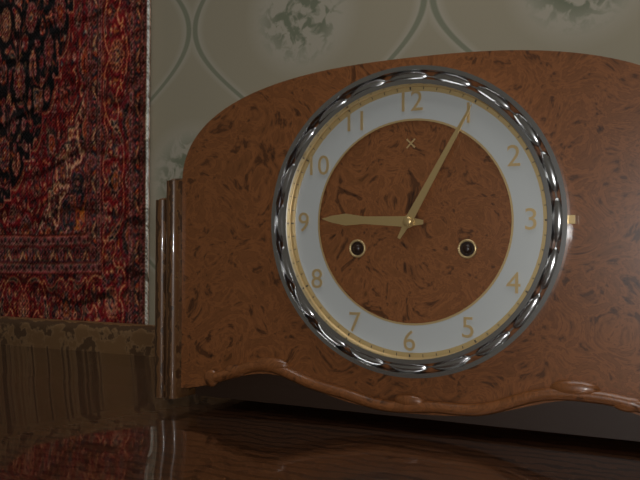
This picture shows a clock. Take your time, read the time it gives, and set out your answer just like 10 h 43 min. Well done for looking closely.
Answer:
9 h 05 min
